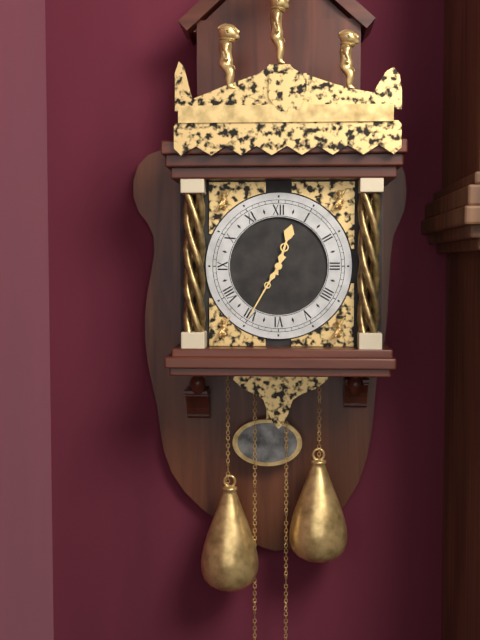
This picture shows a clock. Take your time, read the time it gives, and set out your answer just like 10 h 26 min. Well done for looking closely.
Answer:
12 h 35 min
